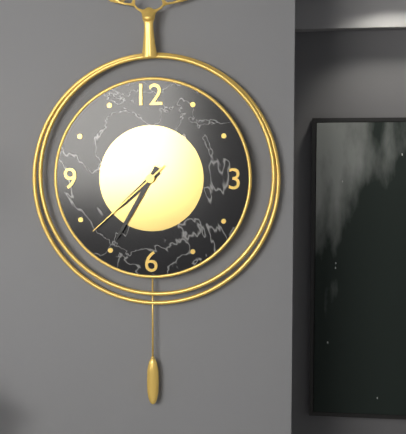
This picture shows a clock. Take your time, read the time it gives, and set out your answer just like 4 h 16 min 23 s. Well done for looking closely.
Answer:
7 h 35 min 38 s
